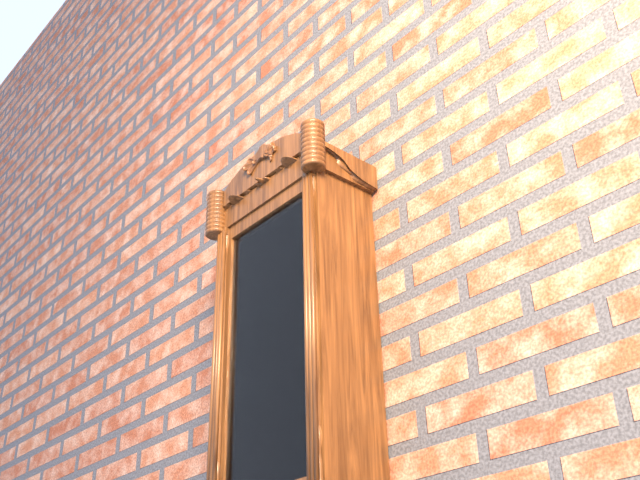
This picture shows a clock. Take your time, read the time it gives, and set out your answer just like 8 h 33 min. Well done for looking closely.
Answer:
2 h 12 min
